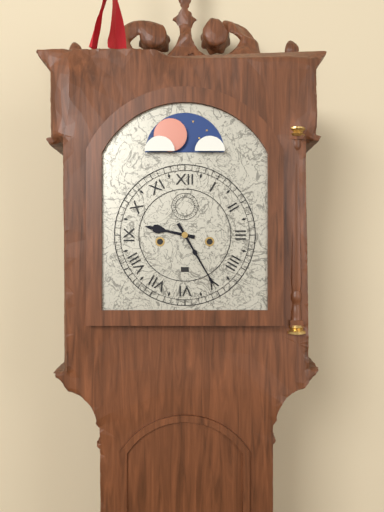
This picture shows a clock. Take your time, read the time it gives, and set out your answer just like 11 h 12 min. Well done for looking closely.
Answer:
9 h 25 min
